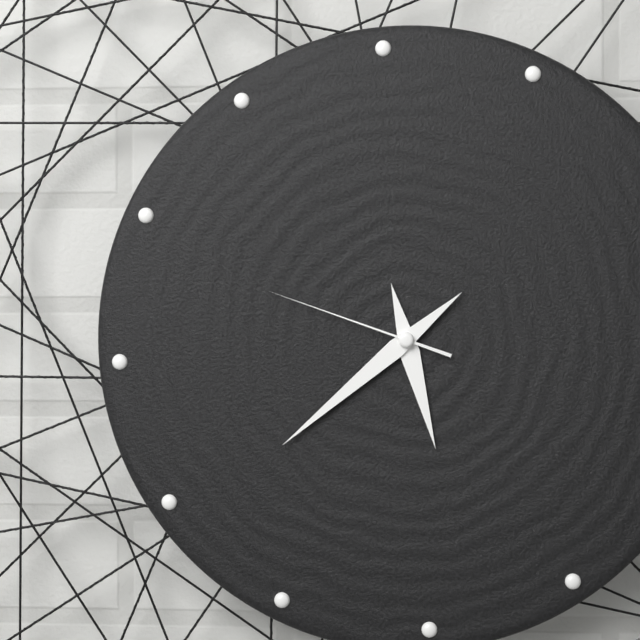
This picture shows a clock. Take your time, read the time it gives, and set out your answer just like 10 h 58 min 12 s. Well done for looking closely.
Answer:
5 h 39 min 49 s
